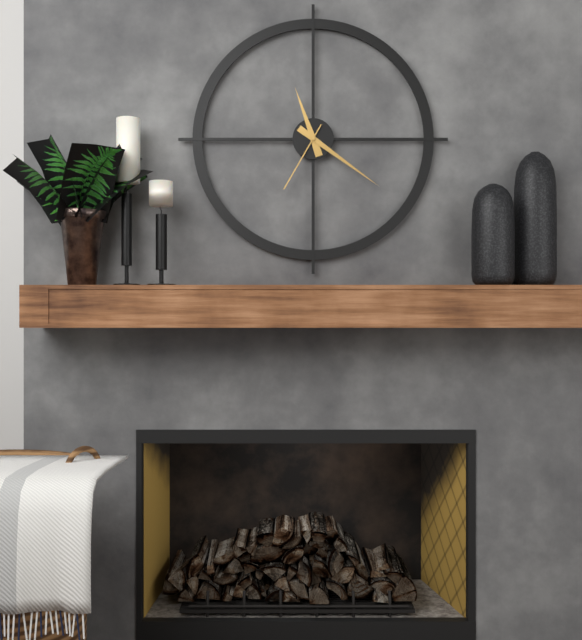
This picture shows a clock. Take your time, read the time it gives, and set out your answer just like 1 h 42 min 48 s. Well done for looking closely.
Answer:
11 h 21 min 35 s
